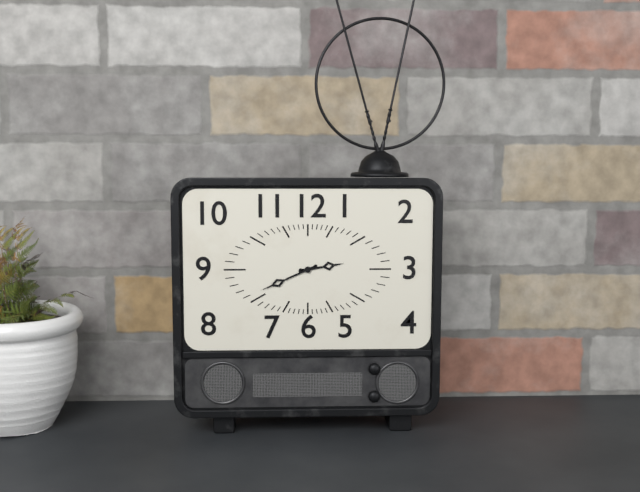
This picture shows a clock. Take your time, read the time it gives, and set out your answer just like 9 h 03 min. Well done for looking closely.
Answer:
2 h 41 min
